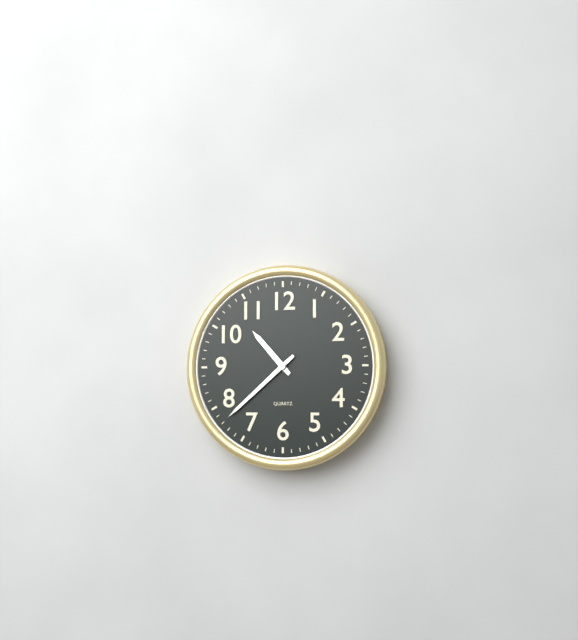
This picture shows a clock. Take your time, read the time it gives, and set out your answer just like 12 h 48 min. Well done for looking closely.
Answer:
10 h 38 min
